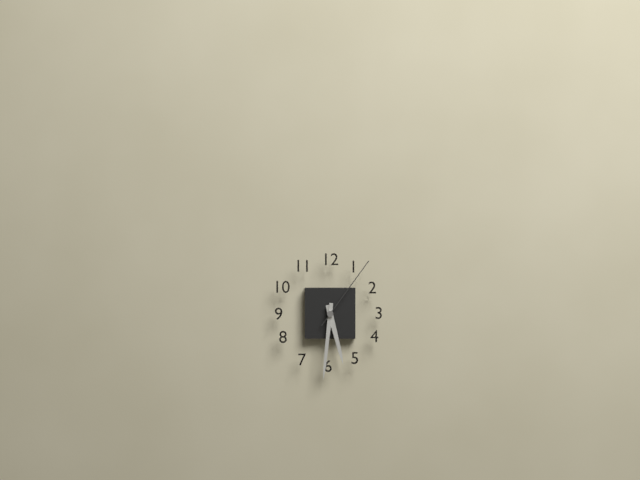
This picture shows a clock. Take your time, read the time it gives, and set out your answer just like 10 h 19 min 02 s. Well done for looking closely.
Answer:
5 h 31 min 06 s
